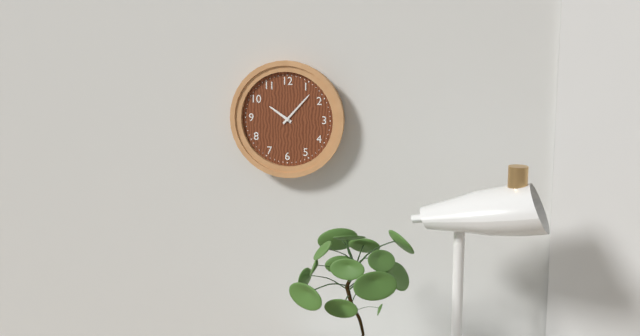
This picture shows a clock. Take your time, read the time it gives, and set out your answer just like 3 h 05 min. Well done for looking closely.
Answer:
10 h 07 min
